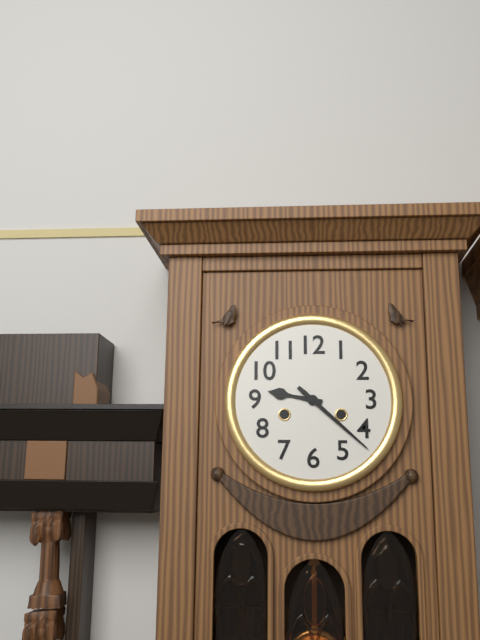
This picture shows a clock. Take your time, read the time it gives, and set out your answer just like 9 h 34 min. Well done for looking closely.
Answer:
9 h 22 min
